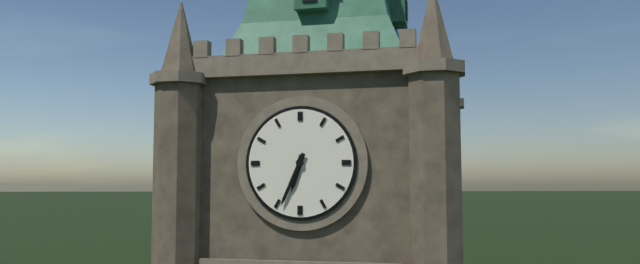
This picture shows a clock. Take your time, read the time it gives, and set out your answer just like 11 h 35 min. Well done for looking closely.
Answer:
6 h 34 min
